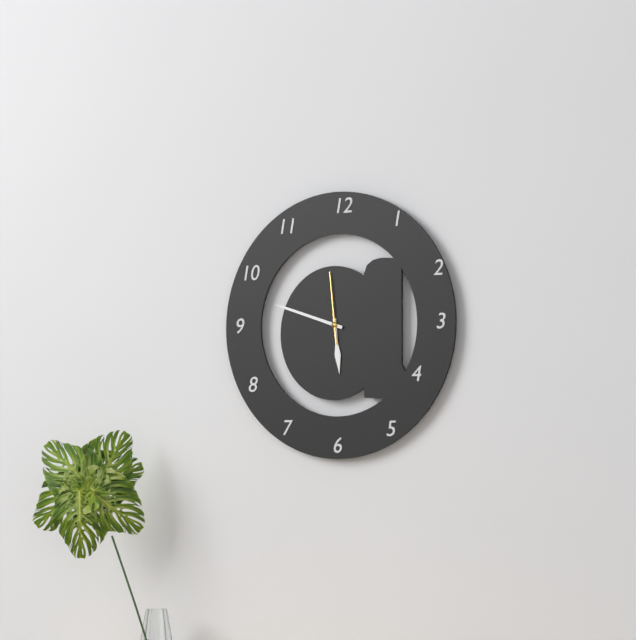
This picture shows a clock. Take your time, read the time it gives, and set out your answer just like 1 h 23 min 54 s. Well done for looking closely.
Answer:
5 h 48 min 59 s
